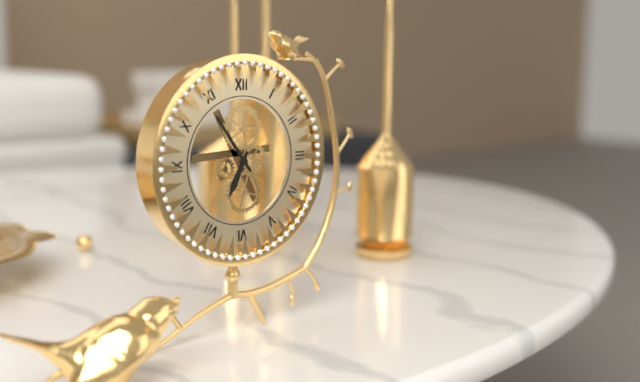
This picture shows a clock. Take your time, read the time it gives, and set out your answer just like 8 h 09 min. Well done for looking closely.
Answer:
6 h 54 min
